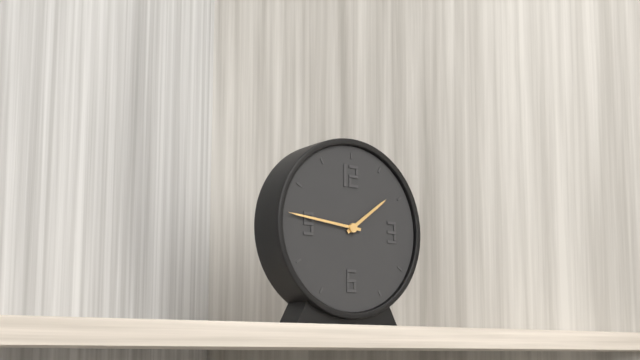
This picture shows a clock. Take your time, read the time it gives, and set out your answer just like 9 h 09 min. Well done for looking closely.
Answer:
1 h 46 min
